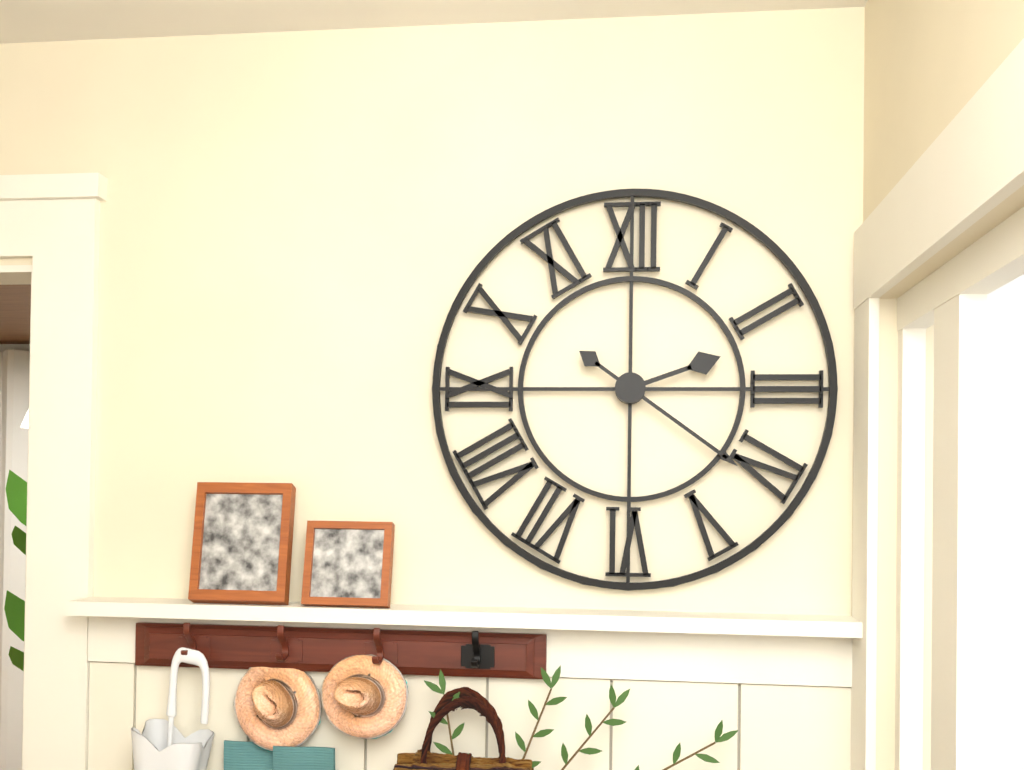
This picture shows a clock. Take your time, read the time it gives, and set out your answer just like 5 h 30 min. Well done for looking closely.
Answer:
2 h 21 min
